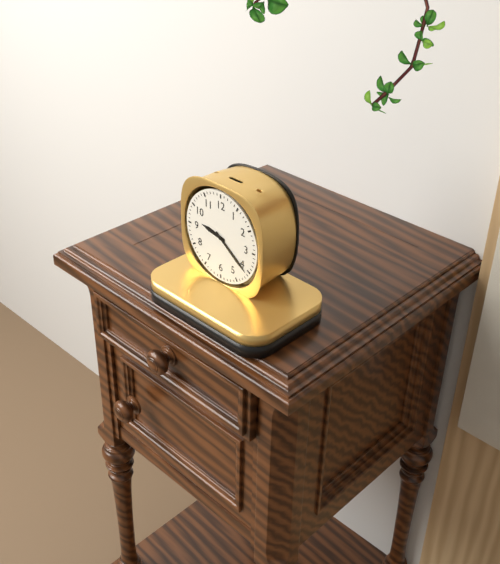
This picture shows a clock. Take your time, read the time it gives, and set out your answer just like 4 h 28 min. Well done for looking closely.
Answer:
9 h 21 min
